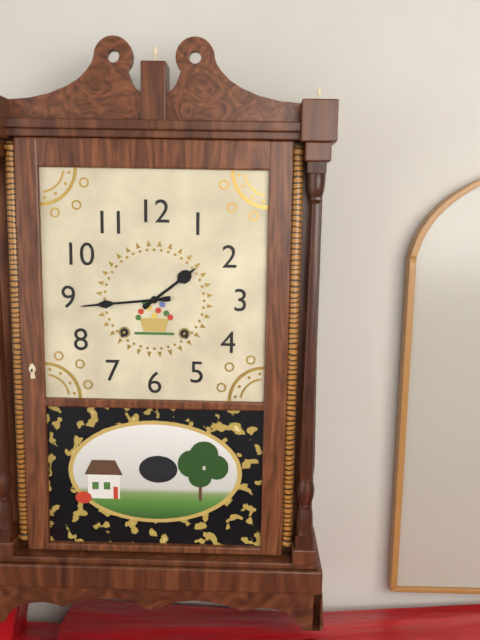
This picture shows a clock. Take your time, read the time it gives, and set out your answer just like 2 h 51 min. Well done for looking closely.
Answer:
1 h 44 min
